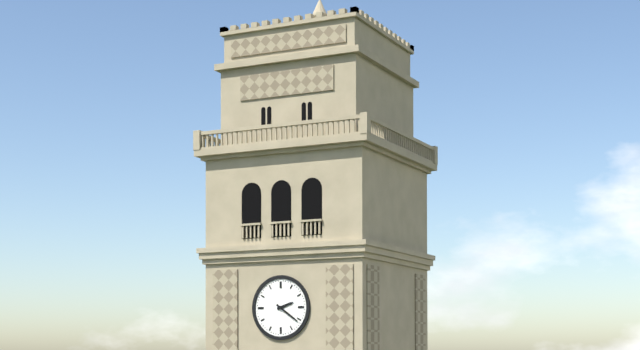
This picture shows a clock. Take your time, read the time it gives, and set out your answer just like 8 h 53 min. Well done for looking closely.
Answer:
2 h 21 min
